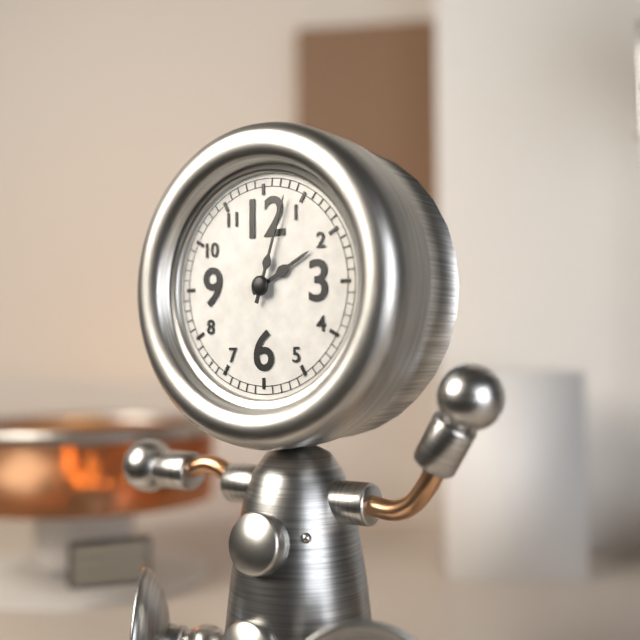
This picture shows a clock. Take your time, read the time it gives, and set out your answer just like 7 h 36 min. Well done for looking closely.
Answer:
2 h 03 min
